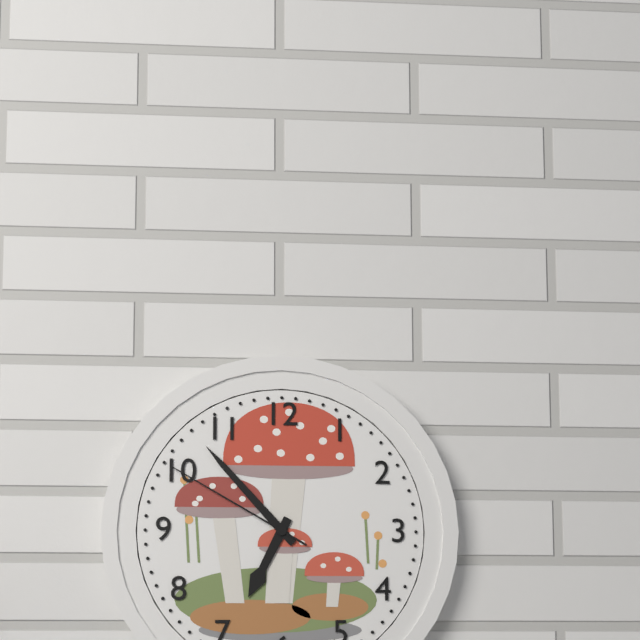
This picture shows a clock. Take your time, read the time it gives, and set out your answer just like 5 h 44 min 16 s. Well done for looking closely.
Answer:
6 h 53 min 50 s
